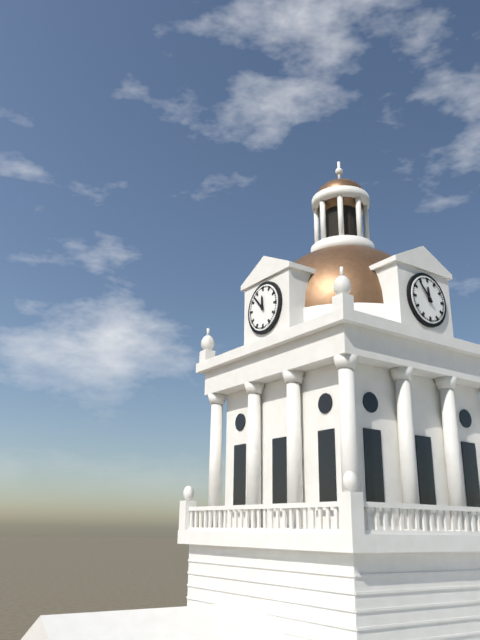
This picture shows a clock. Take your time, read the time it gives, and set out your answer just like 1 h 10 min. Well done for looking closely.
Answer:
11 h 53 min
